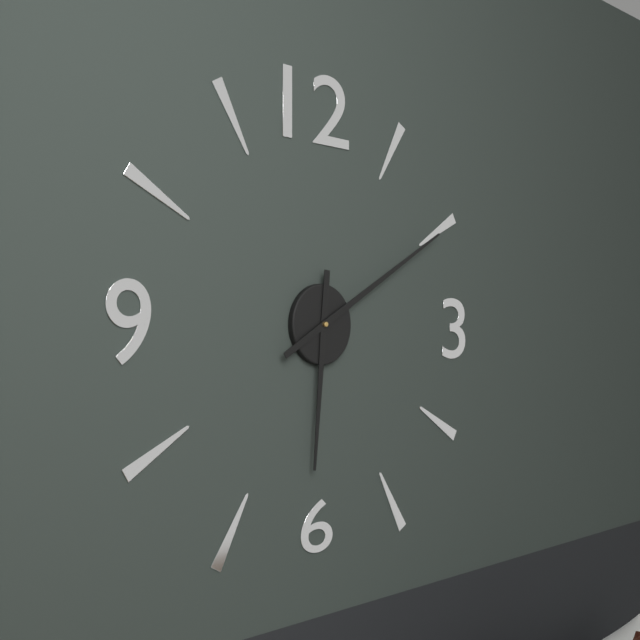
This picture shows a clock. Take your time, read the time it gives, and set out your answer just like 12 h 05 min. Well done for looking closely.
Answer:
6 h 10 min
